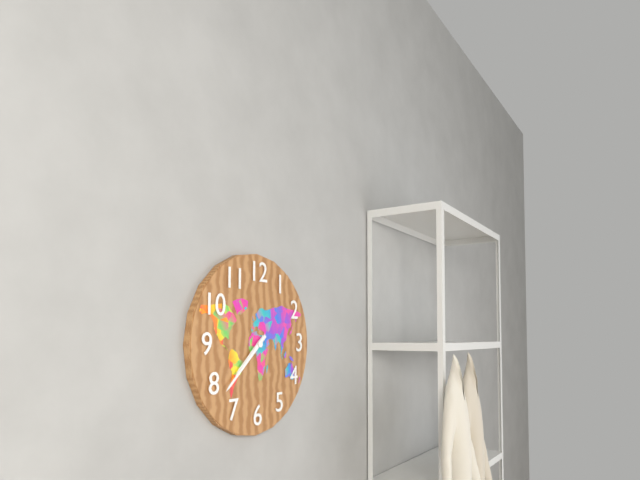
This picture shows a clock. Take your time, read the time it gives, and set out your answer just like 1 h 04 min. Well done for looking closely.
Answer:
7 h 38 min
